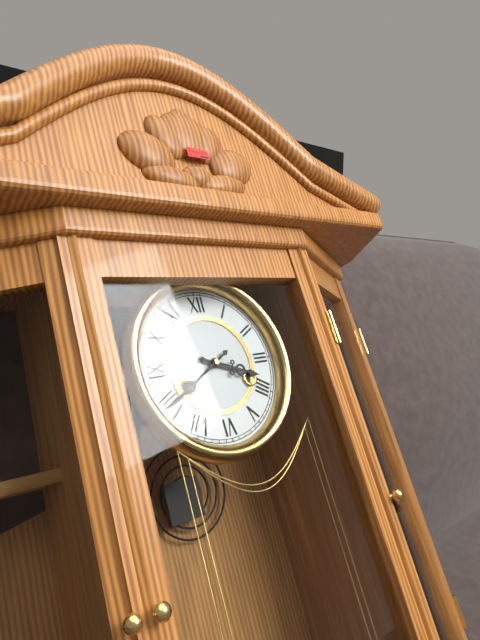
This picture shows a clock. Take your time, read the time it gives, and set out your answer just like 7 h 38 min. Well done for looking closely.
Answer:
3 h 40 min
